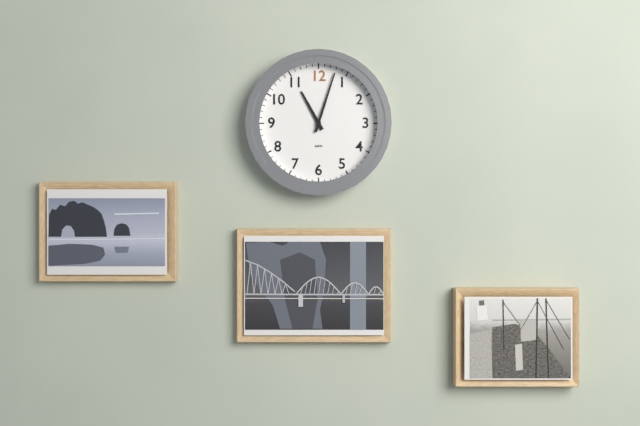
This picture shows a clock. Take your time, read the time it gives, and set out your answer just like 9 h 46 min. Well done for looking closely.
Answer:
11 h 03 min
